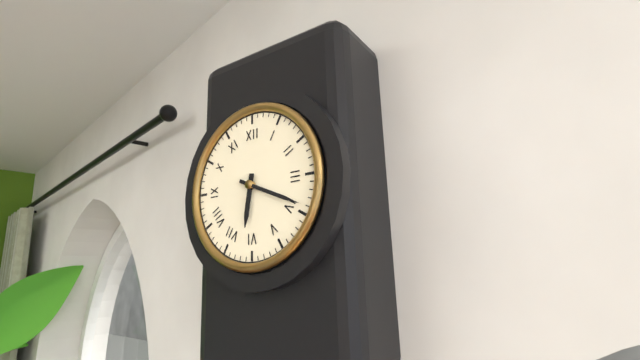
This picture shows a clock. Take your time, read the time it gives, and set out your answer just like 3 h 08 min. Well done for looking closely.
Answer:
6 h 19 min
